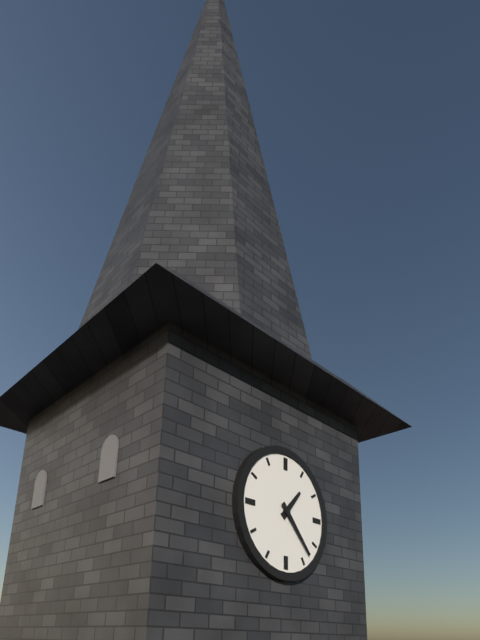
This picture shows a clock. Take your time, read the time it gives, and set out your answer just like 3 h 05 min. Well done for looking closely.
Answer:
1 h 23 min
